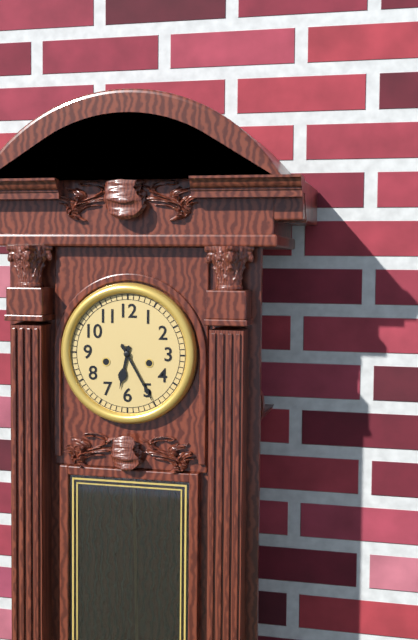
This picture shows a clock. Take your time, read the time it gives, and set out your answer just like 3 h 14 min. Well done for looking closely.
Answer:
6 h 25 min
